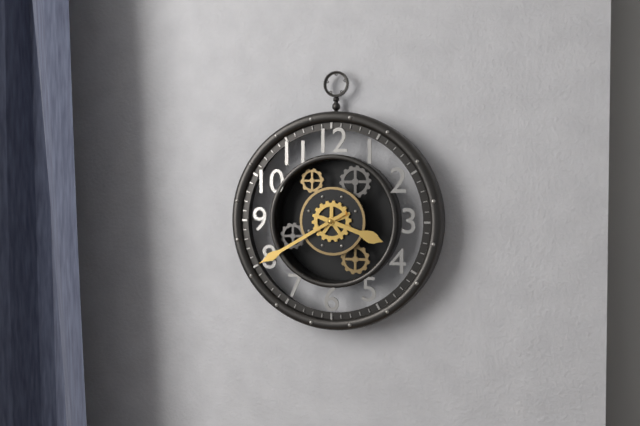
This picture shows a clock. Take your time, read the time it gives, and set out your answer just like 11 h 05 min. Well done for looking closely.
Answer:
3 h 40 min
